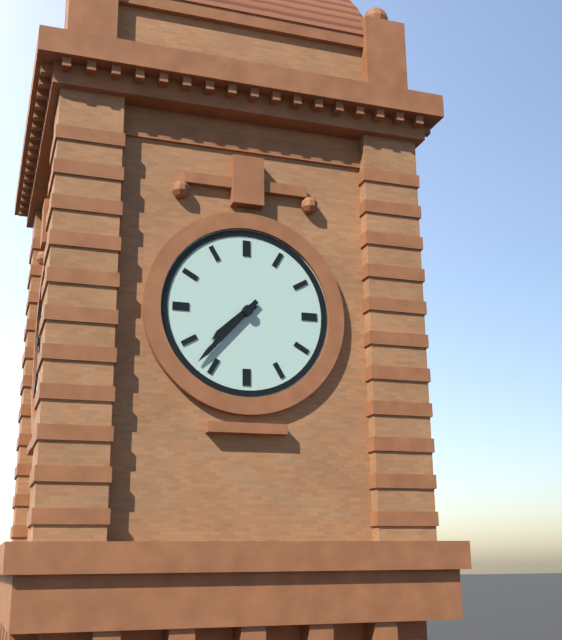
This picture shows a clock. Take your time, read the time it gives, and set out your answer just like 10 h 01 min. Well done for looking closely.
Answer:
7 h 37 min
